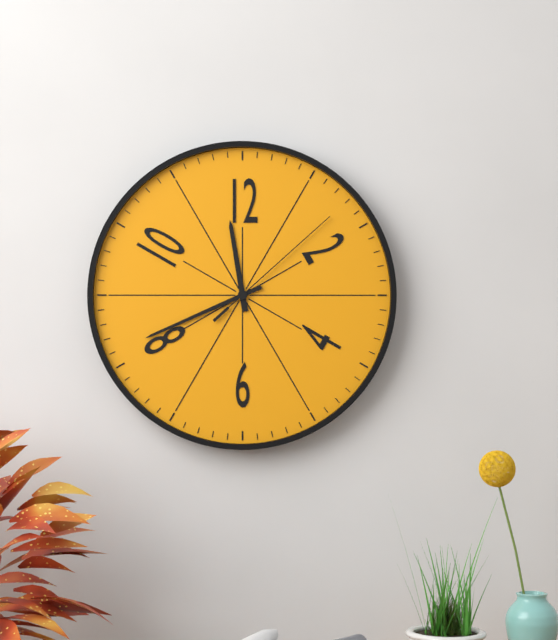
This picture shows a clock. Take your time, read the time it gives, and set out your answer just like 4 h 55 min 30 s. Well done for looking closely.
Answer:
11 h 41 min 08 s
